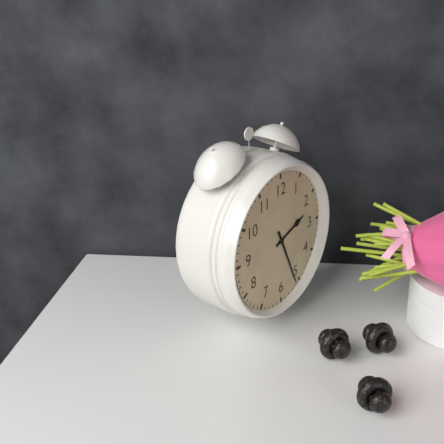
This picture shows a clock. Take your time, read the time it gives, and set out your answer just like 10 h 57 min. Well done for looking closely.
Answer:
2 h 26 min
